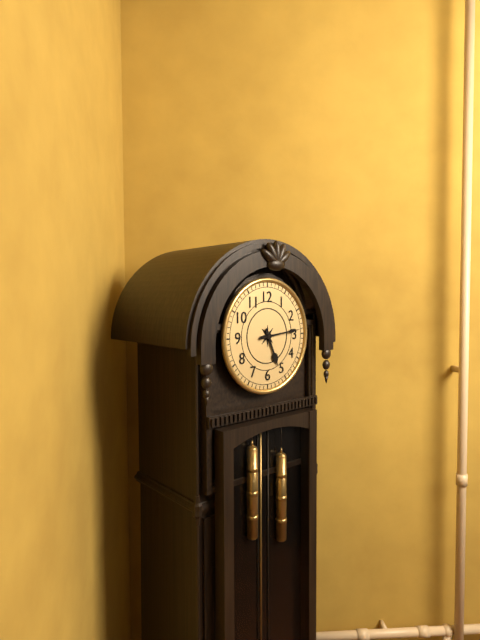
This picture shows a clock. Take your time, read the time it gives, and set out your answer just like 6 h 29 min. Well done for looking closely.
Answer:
5 h 14 min
